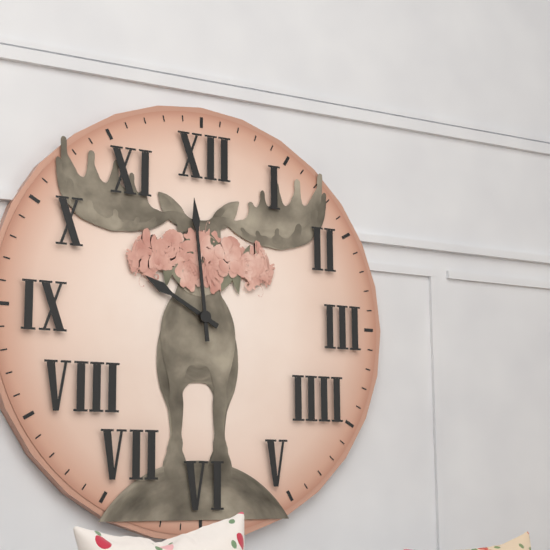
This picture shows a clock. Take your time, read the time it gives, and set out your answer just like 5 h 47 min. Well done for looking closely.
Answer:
9 h 59 min
